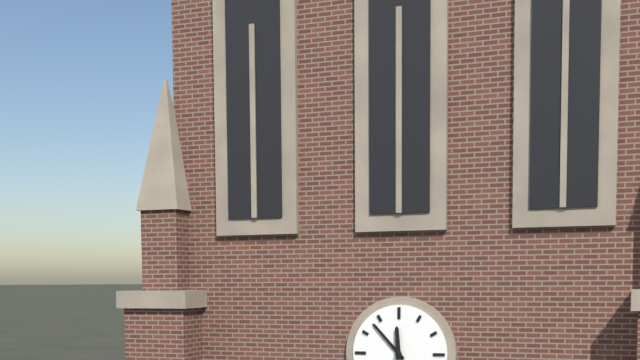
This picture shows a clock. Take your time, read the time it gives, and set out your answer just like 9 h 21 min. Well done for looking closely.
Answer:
11 h 53 min
